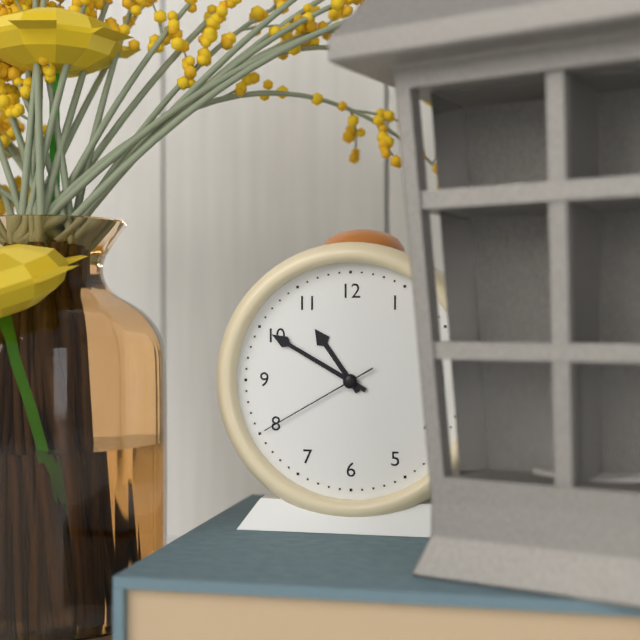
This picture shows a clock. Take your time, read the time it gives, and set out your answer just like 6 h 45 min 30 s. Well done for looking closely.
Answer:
10 h 50 min 40 s
